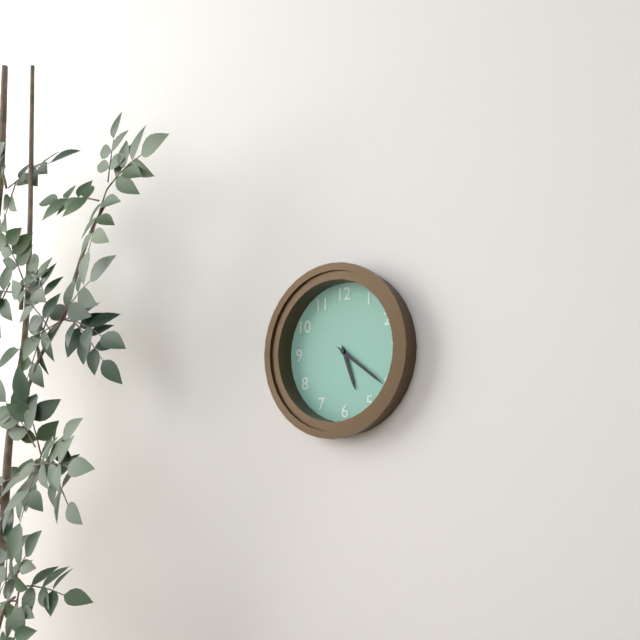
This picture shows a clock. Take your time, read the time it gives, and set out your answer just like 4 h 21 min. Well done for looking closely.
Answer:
5 h 21 min
